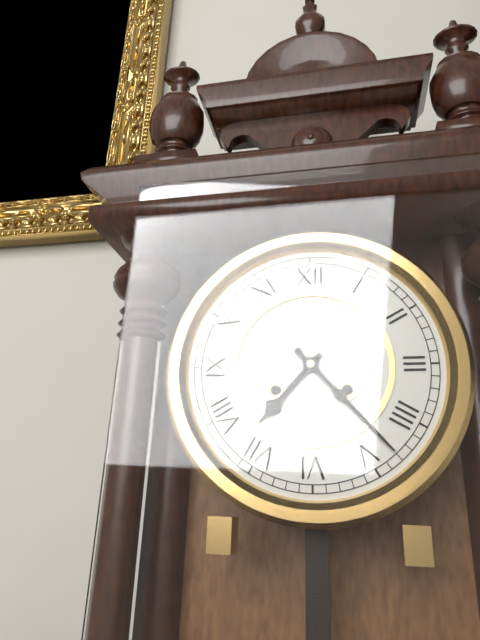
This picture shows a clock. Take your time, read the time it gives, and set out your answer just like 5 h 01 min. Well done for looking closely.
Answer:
7 h 23 min
